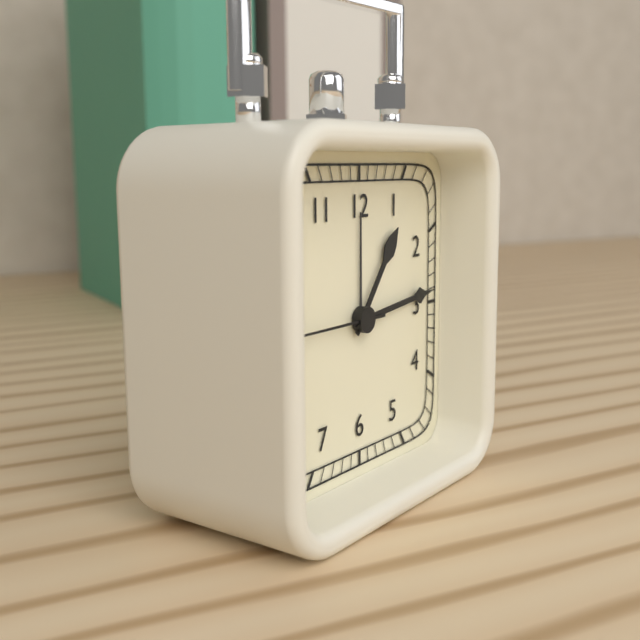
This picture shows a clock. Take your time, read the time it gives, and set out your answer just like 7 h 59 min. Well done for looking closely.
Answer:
1 h 14 min
